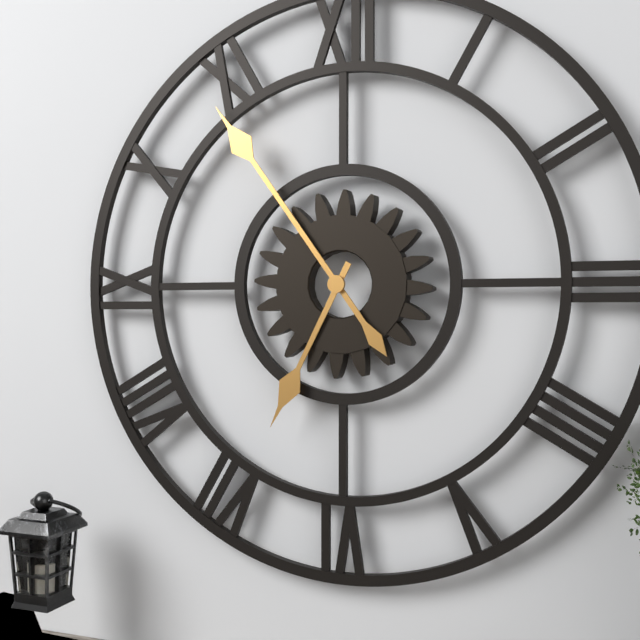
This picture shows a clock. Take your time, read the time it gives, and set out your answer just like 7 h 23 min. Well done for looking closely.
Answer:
6 h 54 min
